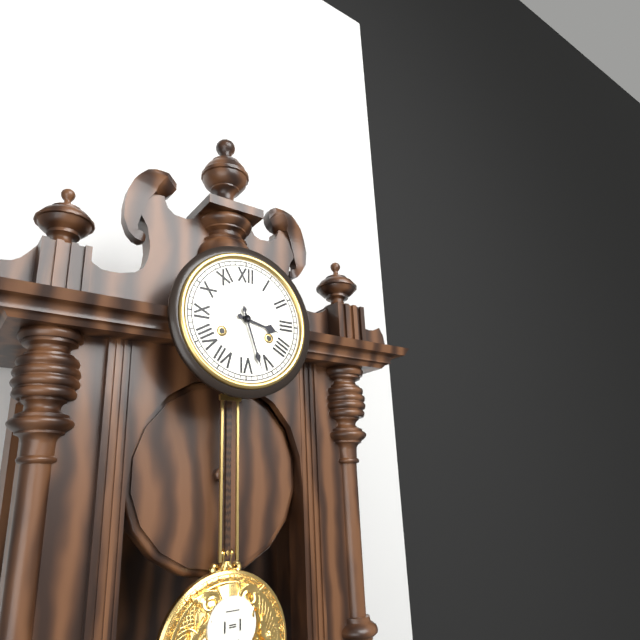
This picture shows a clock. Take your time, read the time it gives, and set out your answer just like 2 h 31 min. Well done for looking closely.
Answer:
3 h 27 min
